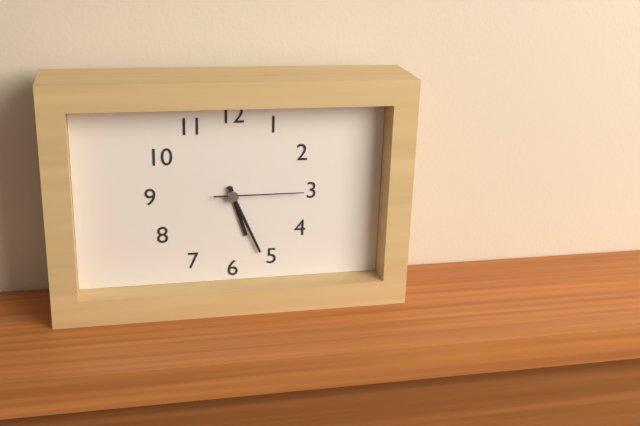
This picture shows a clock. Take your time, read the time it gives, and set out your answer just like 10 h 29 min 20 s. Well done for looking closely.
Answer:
5 h 26 min 15 s
